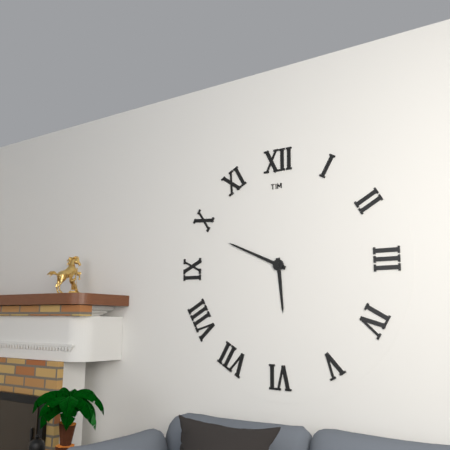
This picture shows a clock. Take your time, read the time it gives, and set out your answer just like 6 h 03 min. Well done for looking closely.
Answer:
5 h 49 min
